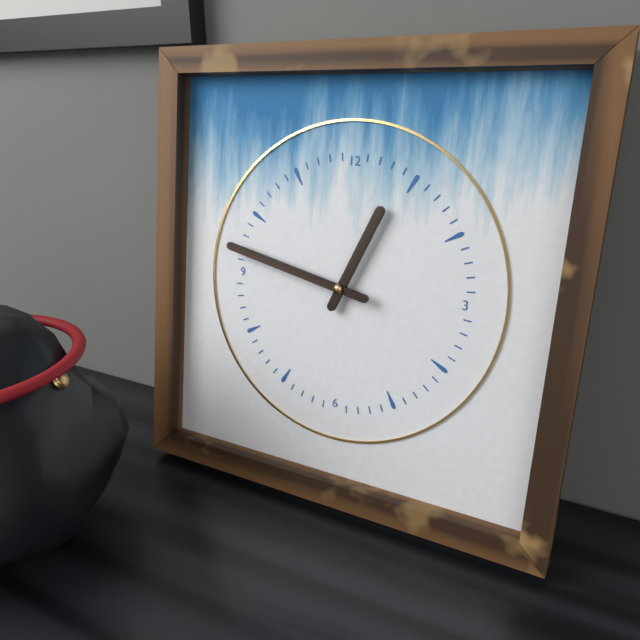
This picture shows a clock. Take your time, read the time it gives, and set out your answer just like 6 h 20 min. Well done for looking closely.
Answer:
12 h 47 min
